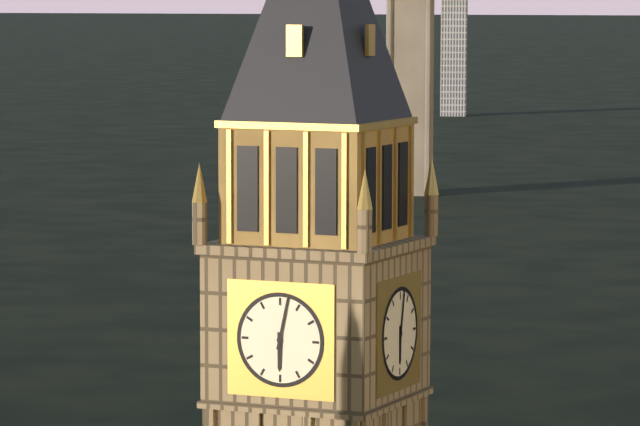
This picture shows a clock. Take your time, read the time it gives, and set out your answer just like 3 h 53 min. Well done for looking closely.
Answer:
6 h 02 min
